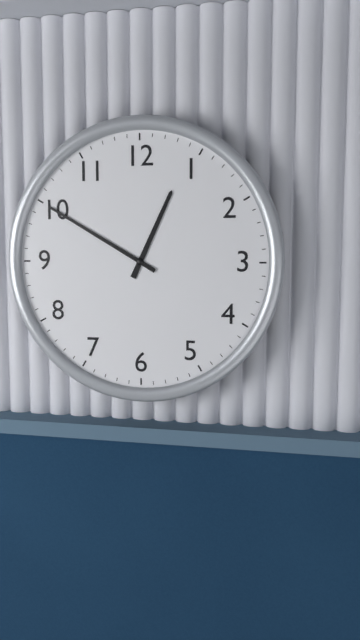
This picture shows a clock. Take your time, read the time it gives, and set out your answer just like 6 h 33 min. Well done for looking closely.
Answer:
12 h 50 min
